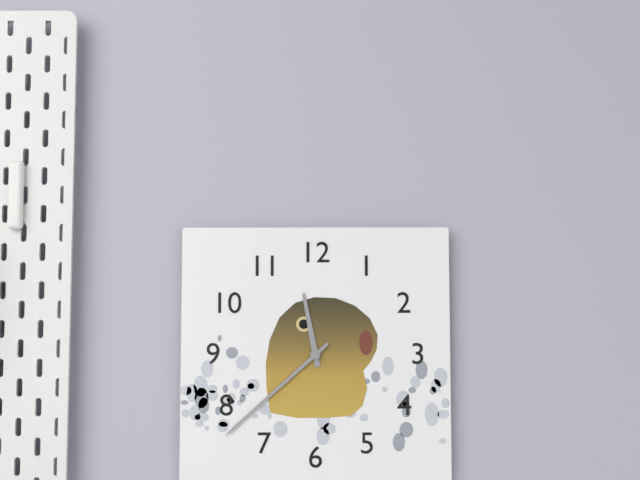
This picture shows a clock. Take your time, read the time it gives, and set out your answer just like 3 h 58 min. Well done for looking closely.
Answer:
11 h 38 min
